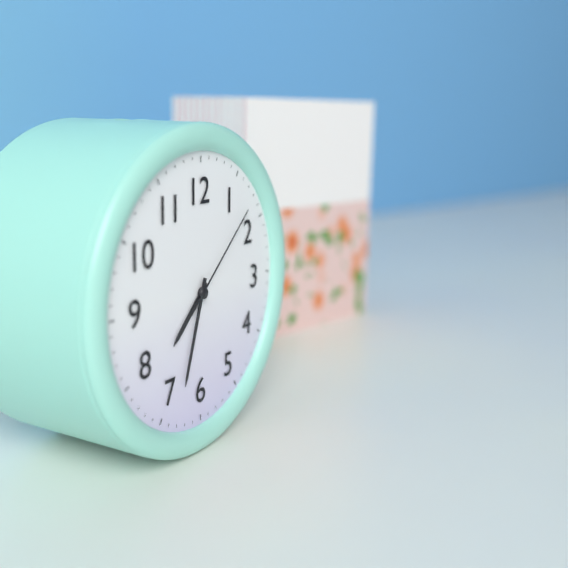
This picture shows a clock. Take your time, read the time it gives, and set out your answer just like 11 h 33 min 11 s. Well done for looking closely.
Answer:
7 h 33 min 08 s
